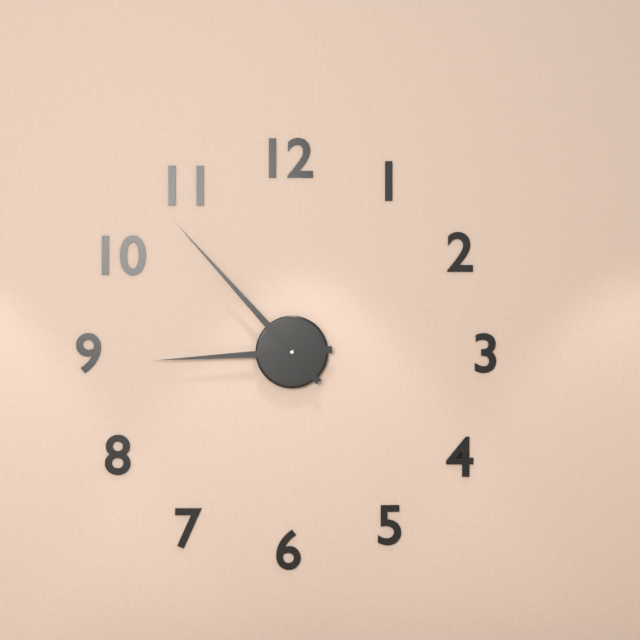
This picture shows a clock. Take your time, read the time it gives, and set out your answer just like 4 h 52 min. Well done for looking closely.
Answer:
8 h 53 min
